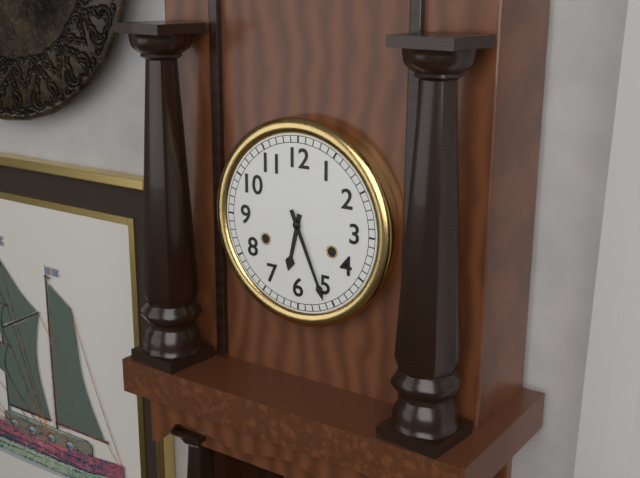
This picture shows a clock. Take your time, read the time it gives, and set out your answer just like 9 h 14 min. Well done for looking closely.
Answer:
6 h 26 min
